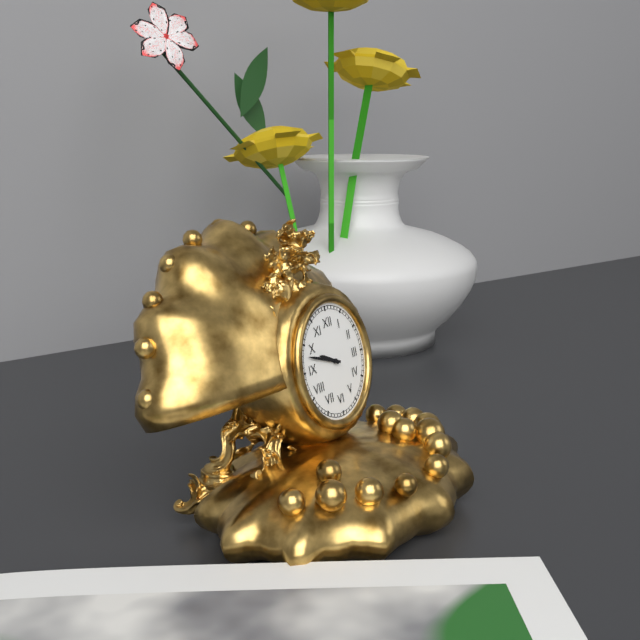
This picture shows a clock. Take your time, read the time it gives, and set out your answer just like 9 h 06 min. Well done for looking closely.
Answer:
9 h 48 min
